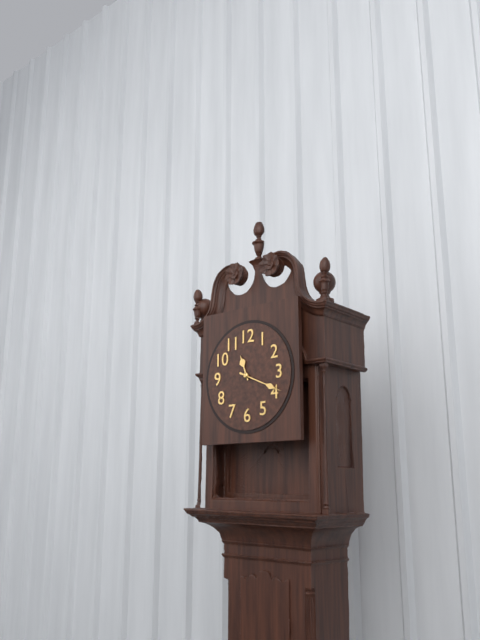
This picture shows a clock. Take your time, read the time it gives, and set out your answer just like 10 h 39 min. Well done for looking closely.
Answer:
11 h 19 min
